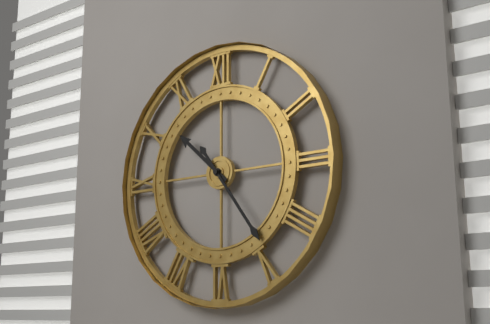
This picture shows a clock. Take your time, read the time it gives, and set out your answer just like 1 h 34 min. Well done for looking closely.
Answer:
10 h 24 min
